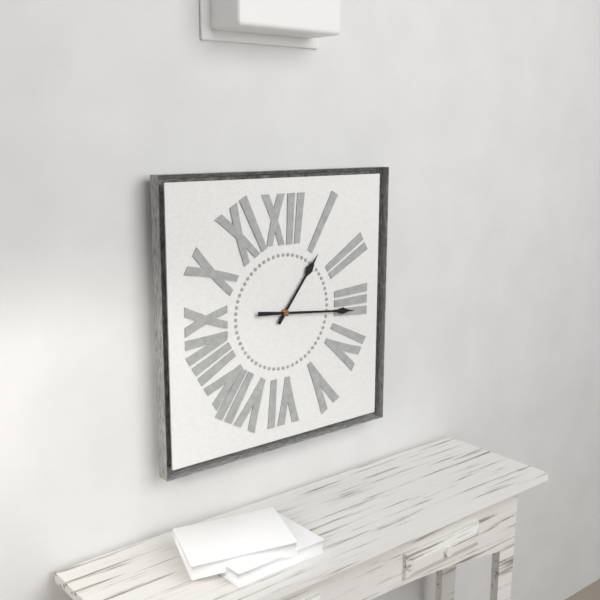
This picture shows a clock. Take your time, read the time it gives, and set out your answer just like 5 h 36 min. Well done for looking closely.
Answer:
1 h 16 min
